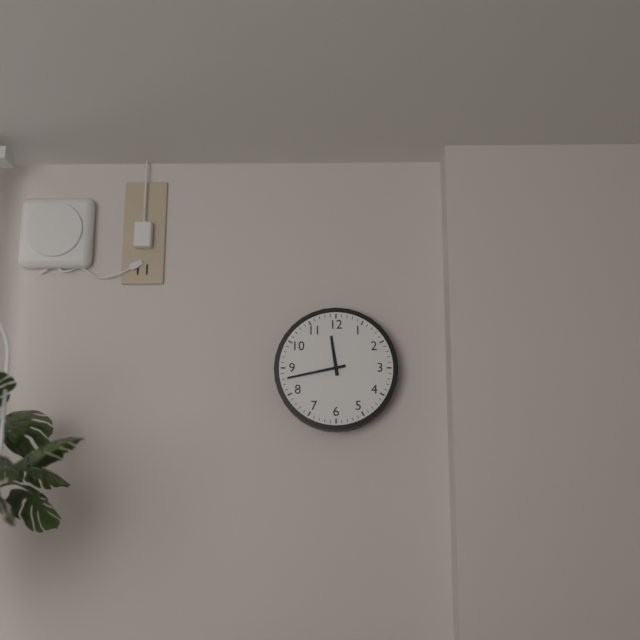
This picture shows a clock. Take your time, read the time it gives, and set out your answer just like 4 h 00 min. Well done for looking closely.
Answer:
11 h 43 min
